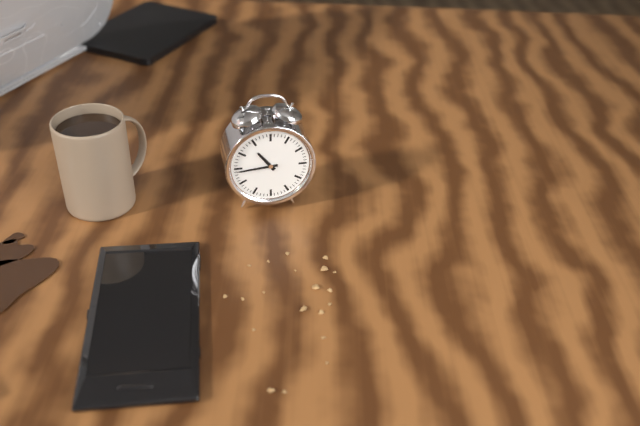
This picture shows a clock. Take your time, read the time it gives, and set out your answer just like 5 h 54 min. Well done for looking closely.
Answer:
10 h 44 min
